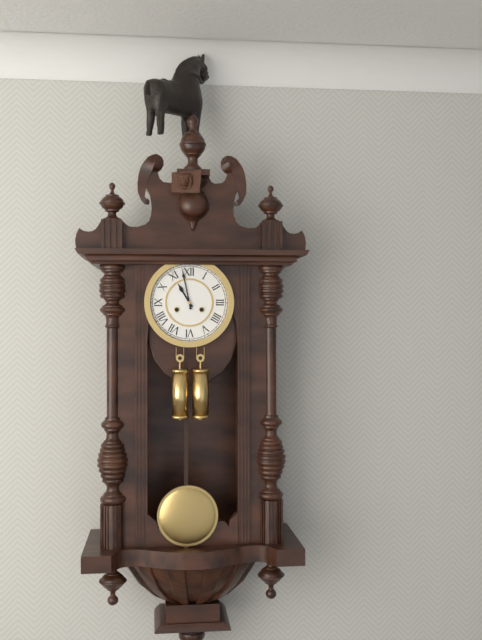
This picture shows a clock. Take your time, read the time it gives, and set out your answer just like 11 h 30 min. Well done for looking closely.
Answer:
10 h 58 min
